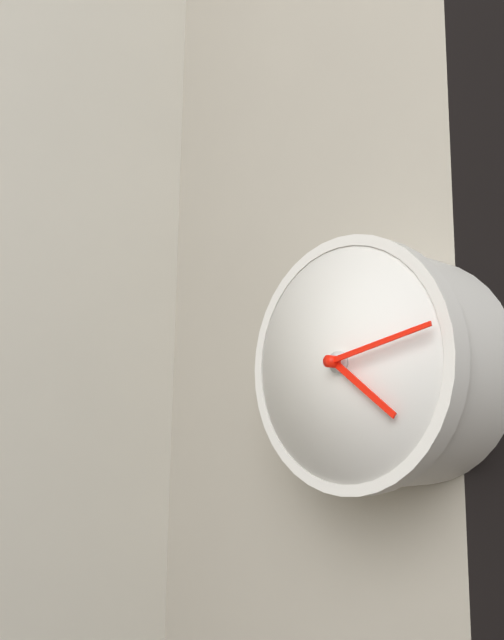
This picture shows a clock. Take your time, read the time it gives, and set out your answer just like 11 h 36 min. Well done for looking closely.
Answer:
4 h 13 min
